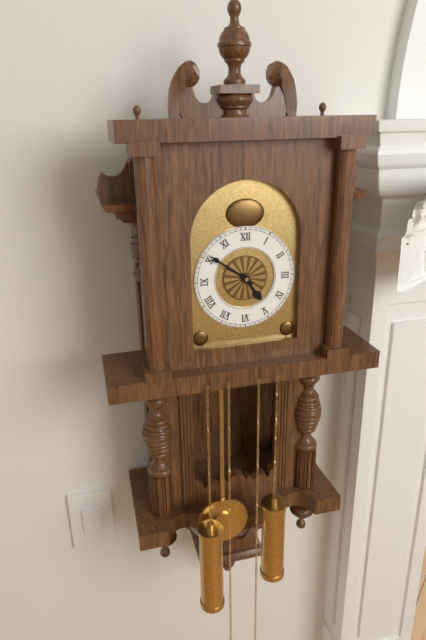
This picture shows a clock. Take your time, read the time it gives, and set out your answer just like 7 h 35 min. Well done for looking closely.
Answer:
4 h 51 min
